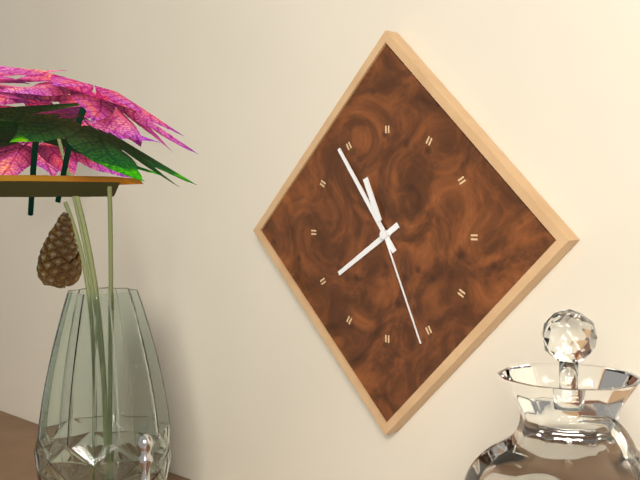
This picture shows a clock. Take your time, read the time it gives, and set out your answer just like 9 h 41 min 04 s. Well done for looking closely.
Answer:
7 h 54 min 26 s
